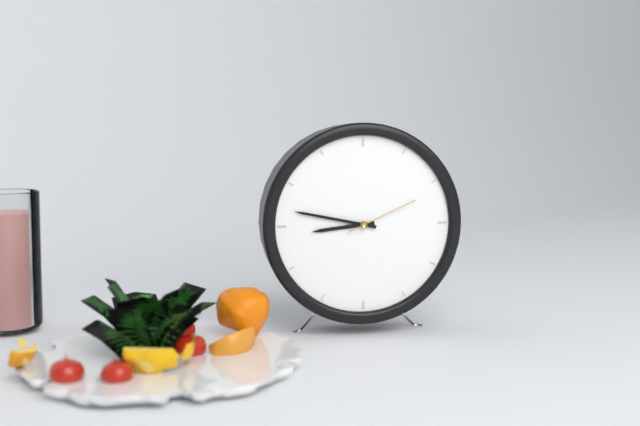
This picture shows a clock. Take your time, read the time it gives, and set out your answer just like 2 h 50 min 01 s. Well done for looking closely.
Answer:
8 h 47 min 11 s
